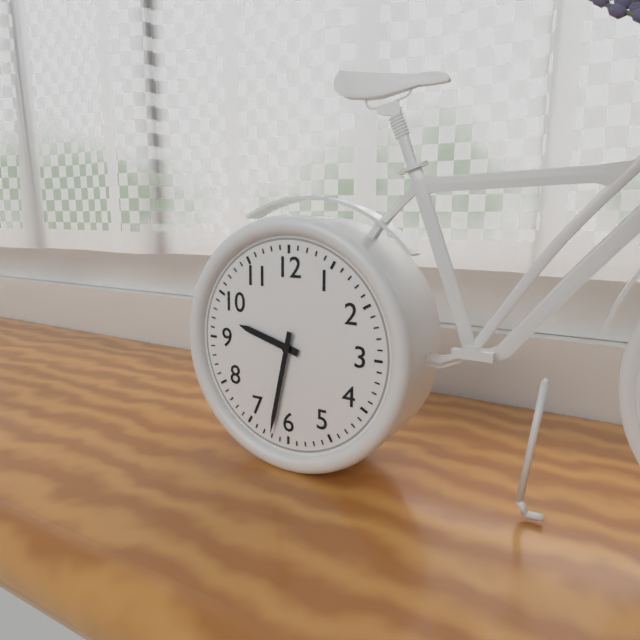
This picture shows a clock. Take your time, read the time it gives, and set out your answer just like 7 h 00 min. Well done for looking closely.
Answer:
9 h 32 min
